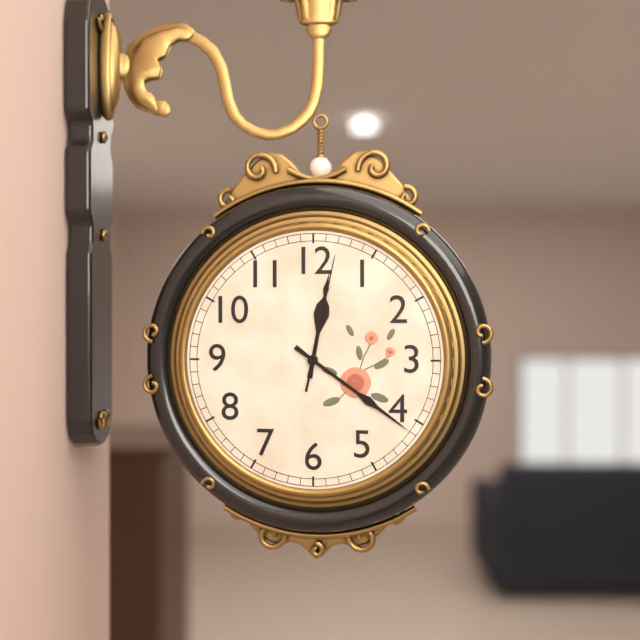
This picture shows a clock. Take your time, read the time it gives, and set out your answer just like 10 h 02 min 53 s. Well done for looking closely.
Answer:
12 h 21 min 02 s
